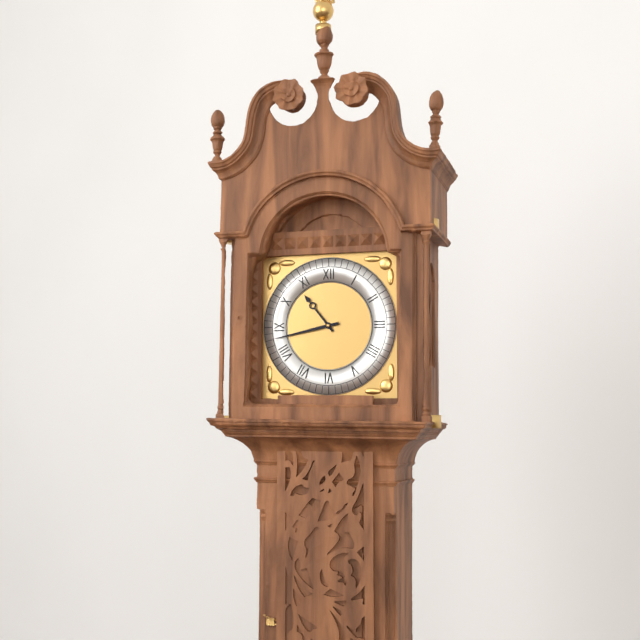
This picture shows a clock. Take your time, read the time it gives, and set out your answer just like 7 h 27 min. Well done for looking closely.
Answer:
10 h 43 min
